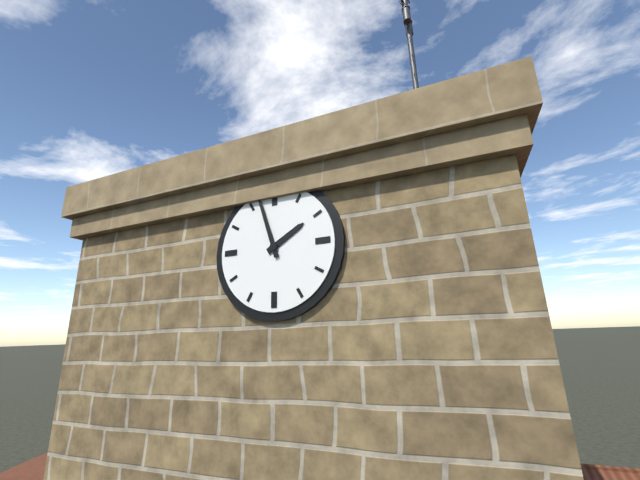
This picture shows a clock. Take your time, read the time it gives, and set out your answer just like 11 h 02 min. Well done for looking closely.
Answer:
1 h 57 min
